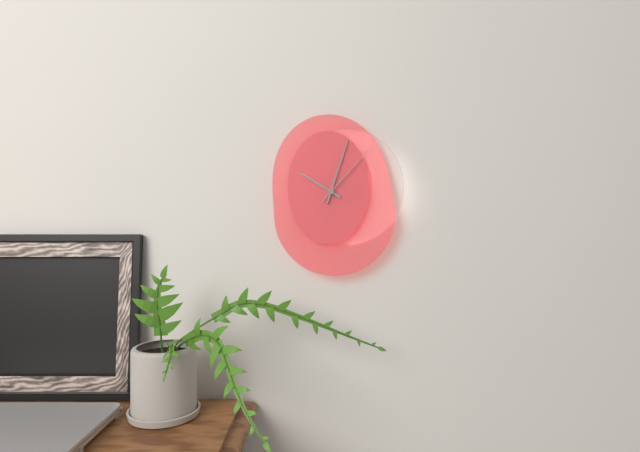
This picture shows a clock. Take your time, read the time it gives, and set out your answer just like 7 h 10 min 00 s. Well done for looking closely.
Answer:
10 h 03 min 07 s
